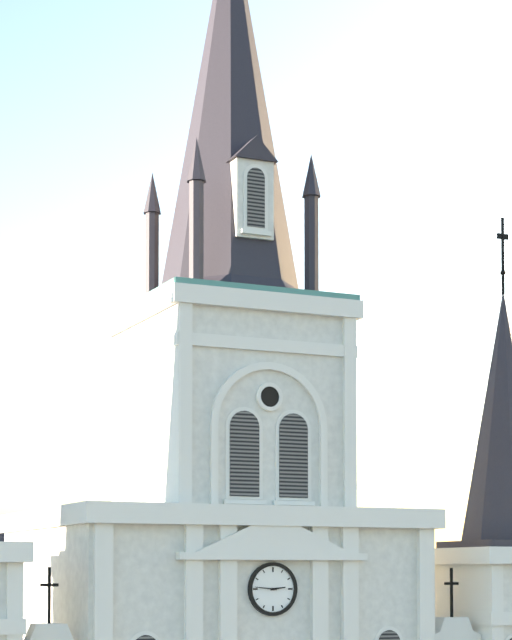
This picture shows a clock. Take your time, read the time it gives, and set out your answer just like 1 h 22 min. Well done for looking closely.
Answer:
2 h 46 min
